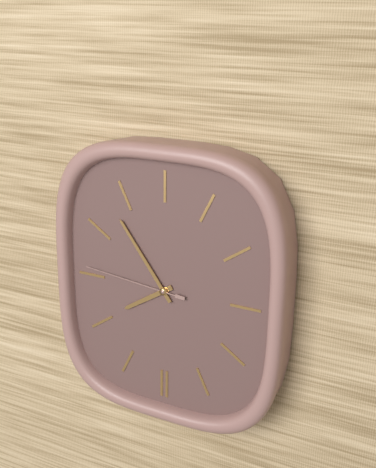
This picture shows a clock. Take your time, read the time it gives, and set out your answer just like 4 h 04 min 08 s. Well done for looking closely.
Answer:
7 h 54 min 46 s
